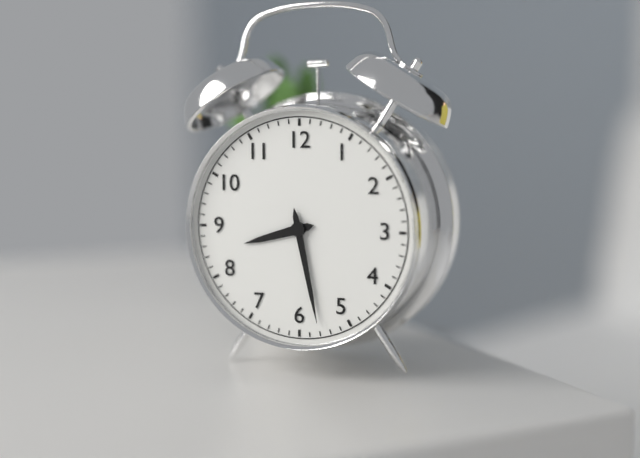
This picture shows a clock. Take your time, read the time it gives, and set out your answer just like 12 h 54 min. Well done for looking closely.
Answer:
8 h 28 min
